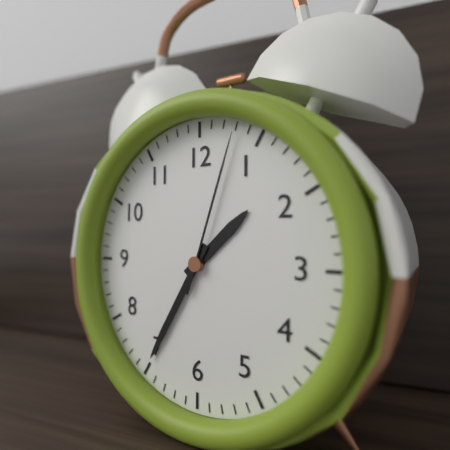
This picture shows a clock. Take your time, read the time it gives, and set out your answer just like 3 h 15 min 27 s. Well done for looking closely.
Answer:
1 h 35 min 03 s
